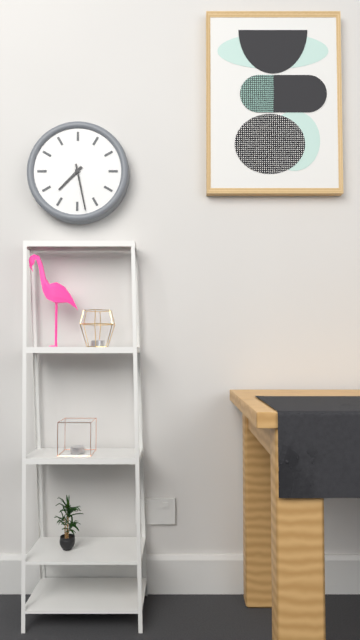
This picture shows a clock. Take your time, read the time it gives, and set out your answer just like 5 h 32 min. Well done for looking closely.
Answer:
7 h 28 min
